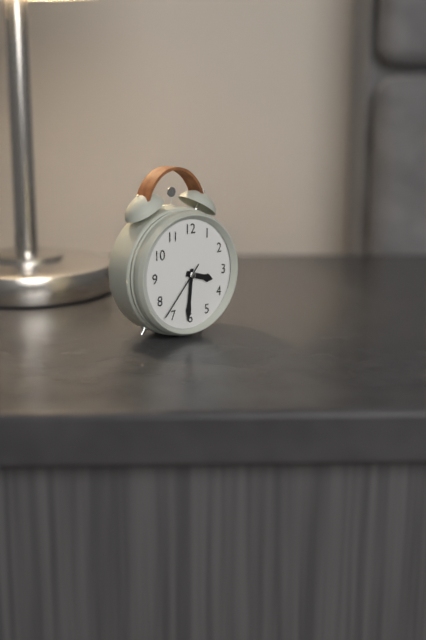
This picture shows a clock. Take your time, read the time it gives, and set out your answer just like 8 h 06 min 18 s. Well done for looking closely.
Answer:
3 h 31 min 37 s
